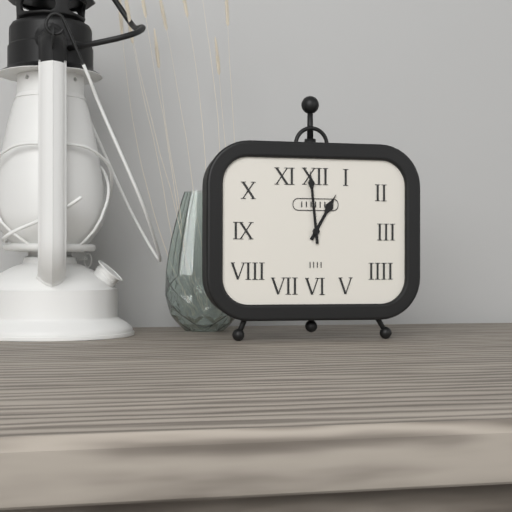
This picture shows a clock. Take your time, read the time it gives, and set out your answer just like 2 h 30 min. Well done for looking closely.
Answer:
12 h 59 min
